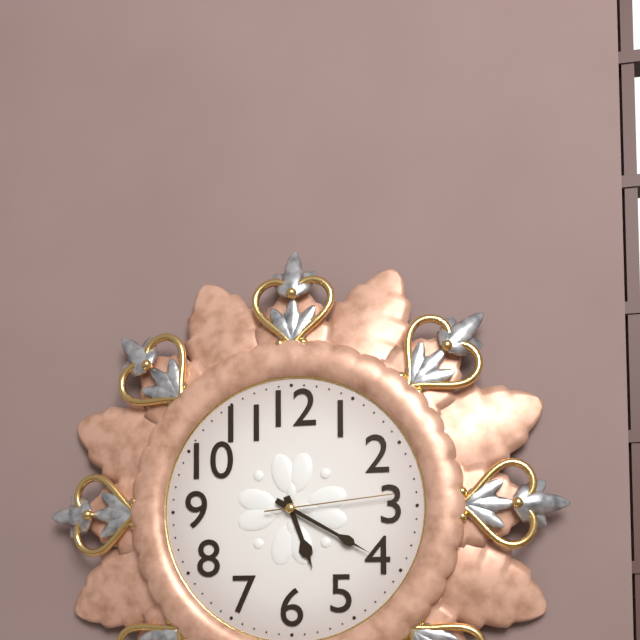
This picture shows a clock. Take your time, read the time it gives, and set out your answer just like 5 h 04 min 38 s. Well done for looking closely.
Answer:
5 h 20 min 14 s
